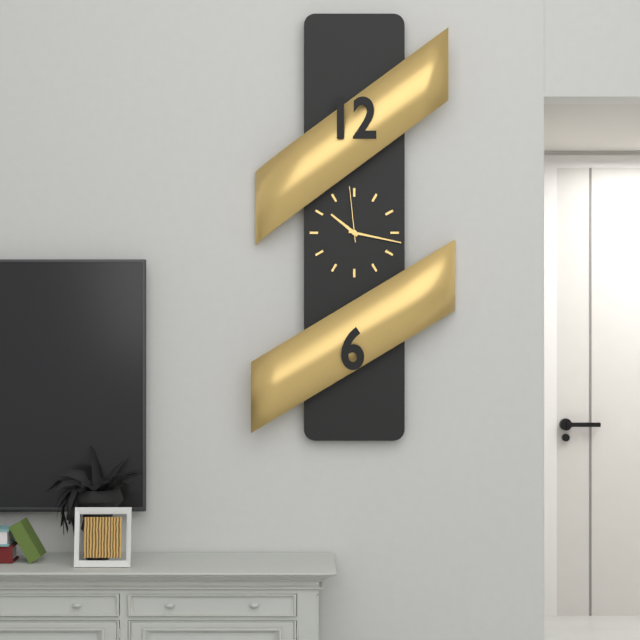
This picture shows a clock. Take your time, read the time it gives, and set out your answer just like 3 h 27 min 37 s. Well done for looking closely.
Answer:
10 h 17 min 59 s
